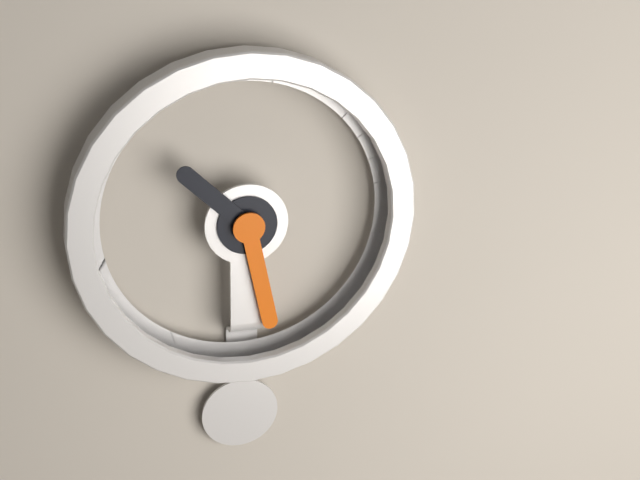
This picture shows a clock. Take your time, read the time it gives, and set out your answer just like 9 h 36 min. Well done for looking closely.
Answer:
10 h 28 min
